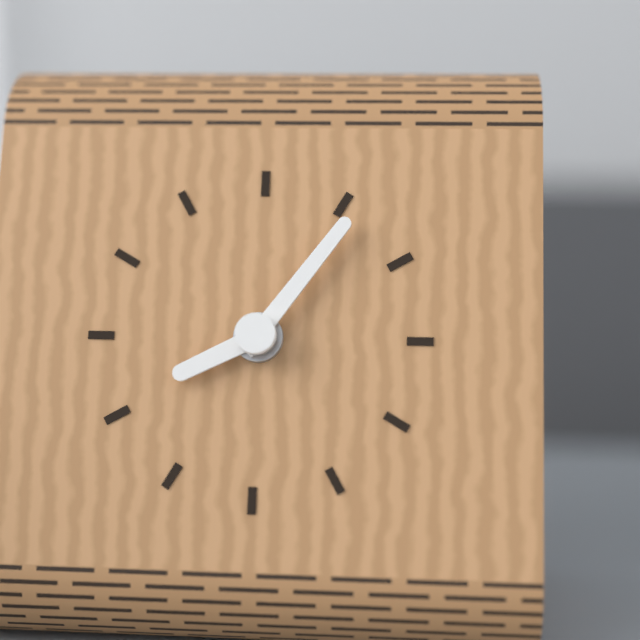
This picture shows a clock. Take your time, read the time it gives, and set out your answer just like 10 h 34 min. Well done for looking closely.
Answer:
8 h 06 min
